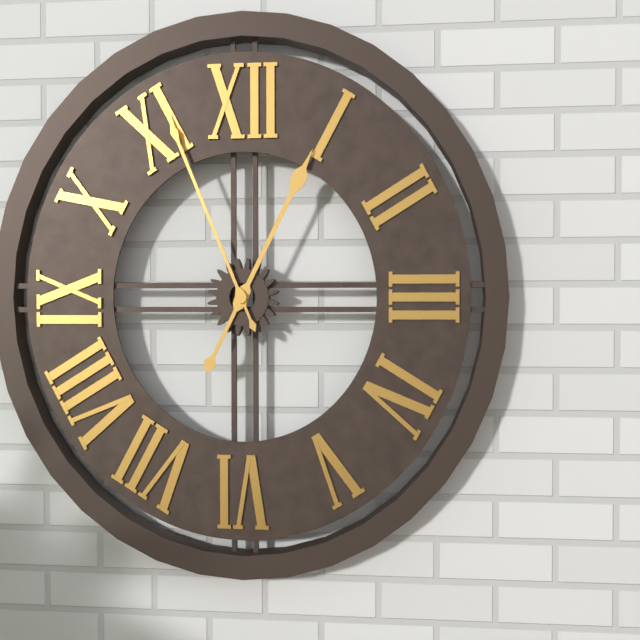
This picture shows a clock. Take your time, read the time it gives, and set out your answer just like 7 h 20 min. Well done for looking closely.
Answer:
12 h 56 min
